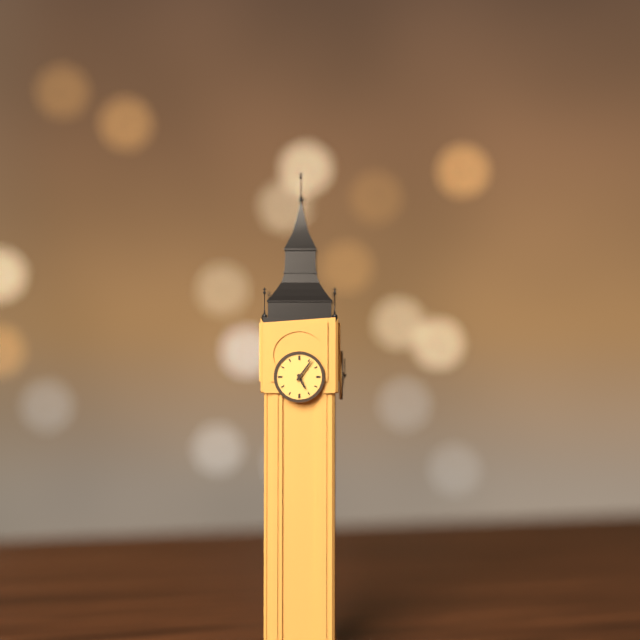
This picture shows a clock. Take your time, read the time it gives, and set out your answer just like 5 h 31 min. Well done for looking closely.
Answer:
5 h 06 min
